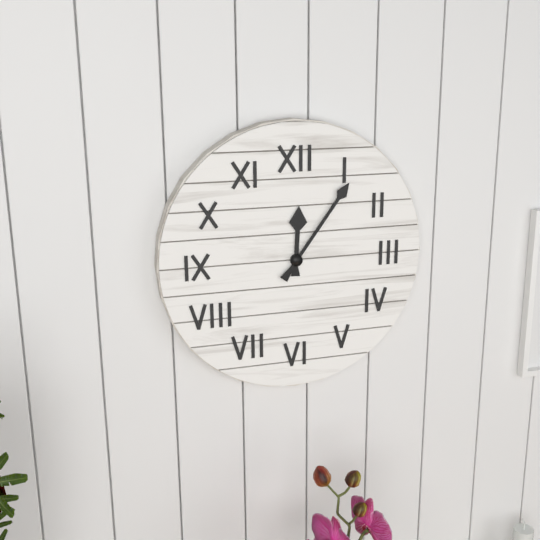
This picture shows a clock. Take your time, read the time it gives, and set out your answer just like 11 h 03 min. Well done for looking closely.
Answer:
12 h 06 min
